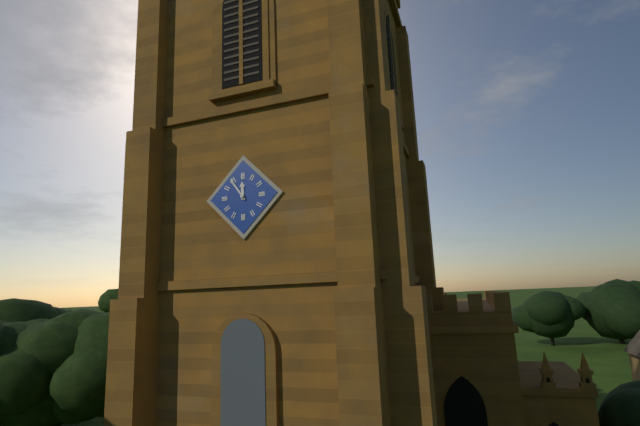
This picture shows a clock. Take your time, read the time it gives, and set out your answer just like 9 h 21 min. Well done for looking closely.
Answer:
11 h 54 min
